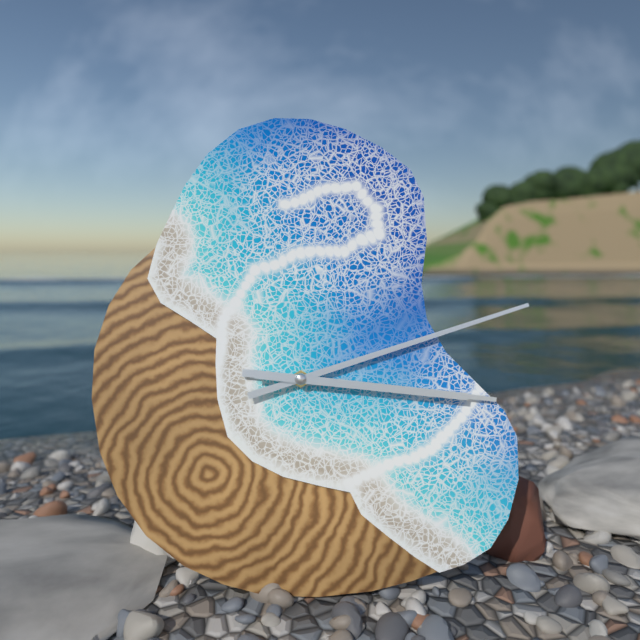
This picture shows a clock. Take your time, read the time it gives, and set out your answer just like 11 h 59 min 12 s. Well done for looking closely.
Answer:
3 h 12 min 16 s
